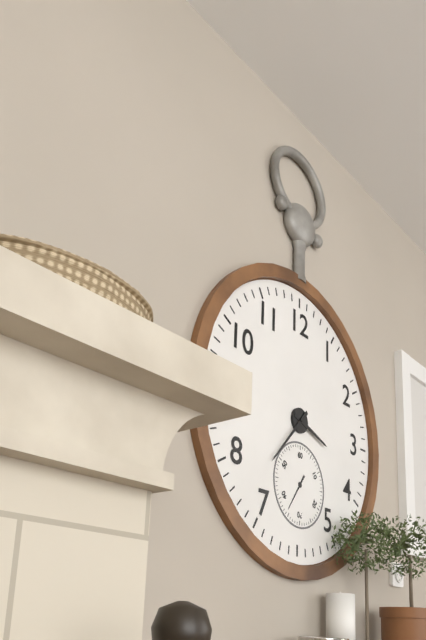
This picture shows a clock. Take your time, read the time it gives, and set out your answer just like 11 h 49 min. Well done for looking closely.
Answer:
3 h 37 min
